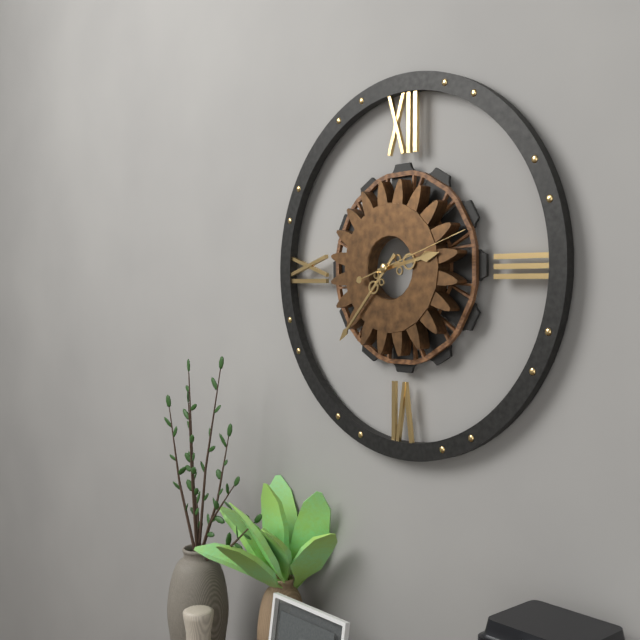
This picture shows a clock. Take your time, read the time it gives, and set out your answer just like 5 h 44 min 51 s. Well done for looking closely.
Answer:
2 h 37 min 12 s
